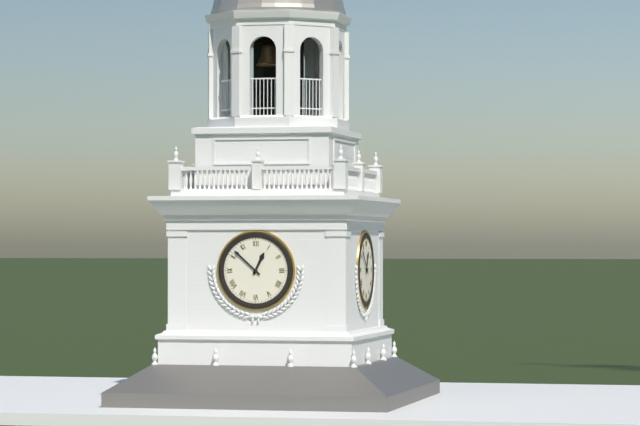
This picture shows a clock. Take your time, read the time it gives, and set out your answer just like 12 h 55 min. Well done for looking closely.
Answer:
12 h 52 min
